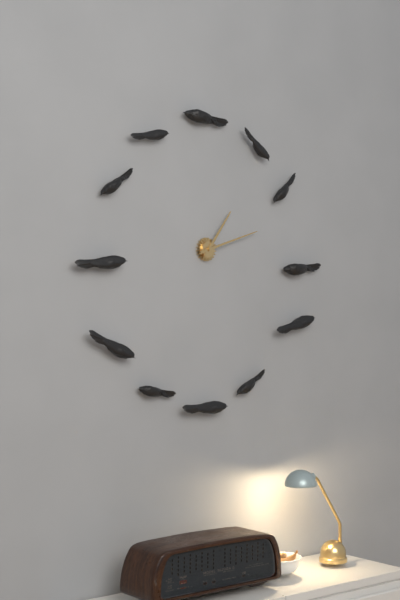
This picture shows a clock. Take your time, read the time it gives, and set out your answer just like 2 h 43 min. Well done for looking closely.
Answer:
1 h 12 min
